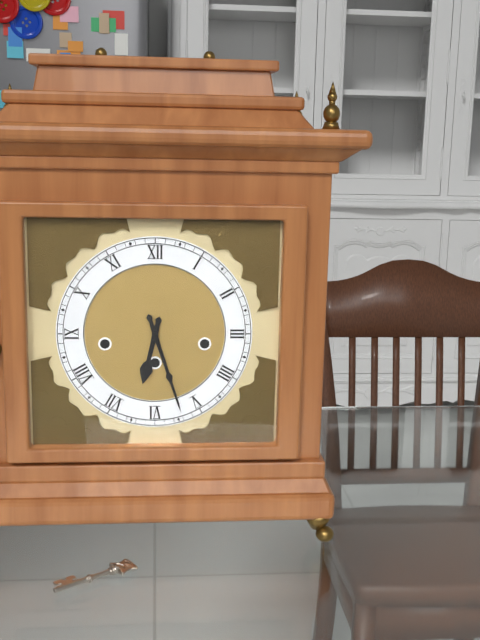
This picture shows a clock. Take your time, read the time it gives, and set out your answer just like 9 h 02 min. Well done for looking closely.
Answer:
6 h 27 min
